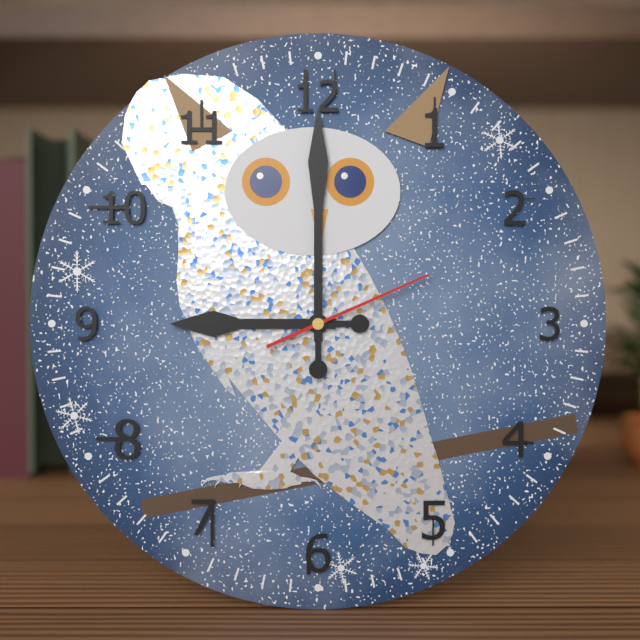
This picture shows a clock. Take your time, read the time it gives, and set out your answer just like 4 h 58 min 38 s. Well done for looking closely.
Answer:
9 h 00 min 11 s
